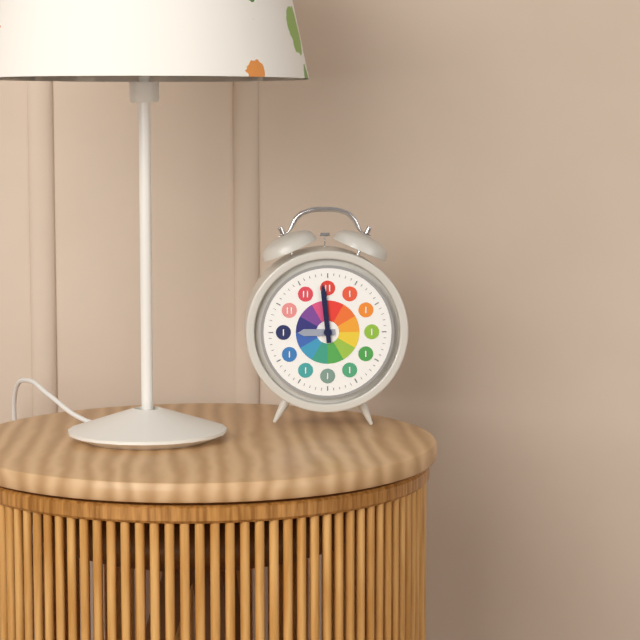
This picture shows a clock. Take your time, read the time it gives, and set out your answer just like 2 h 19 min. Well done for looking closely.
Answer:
8 h 59 min
